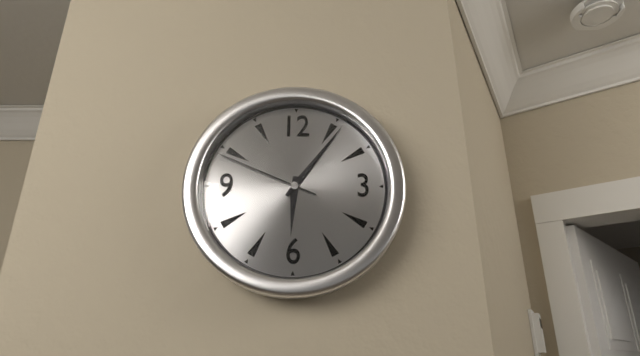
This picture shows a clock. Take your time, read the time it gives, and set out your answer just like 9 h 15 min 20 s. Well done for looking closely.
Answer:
6 h 06 min 49 s
